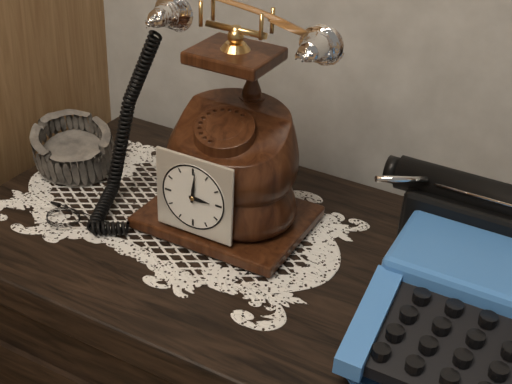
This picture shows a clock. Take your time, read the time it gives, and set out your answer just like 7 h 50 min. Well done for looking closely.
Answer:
3 h 01 min
